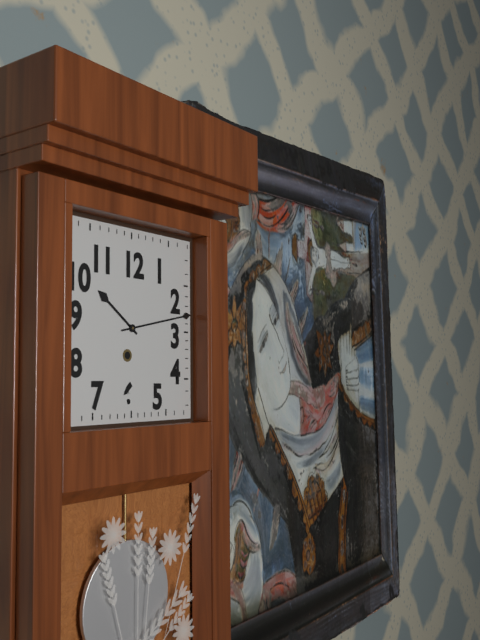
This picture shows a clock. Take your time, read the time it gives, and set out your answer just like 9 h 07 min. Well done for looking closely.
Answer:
10 h 13 min
